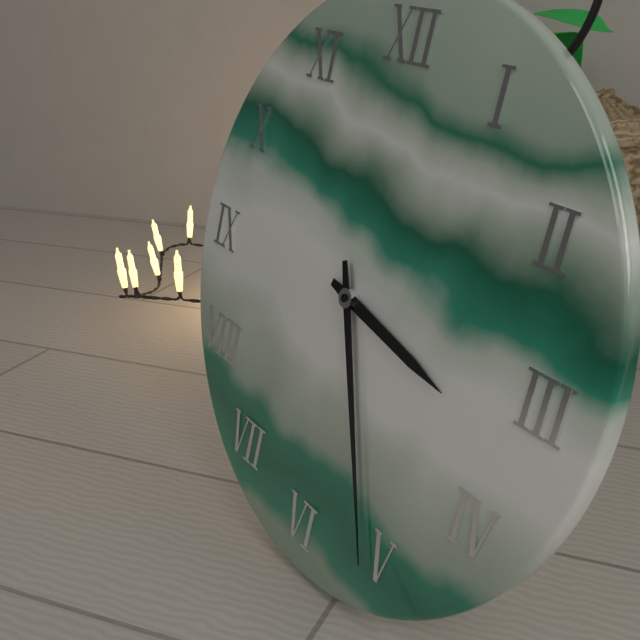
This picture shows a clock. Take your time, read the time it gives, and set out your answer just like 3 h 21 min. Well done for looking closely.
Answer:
3 h 26 min
